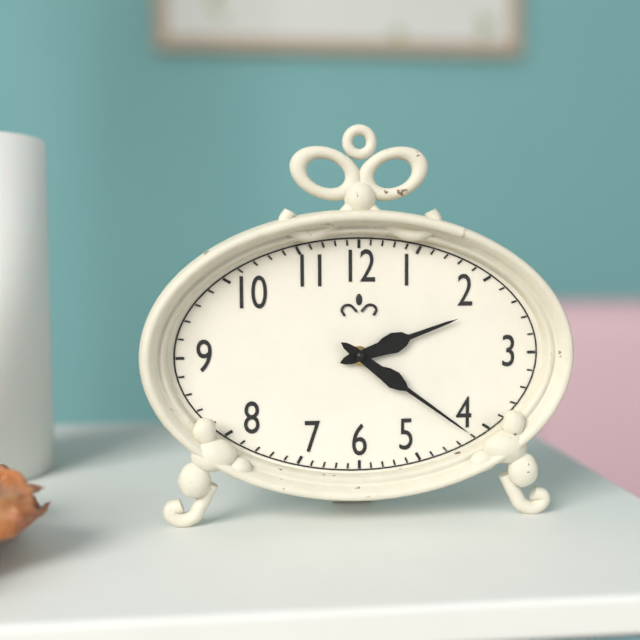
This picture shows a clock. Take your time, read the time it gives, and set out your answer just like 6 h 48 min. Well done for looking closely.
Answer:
2 h 21 min
